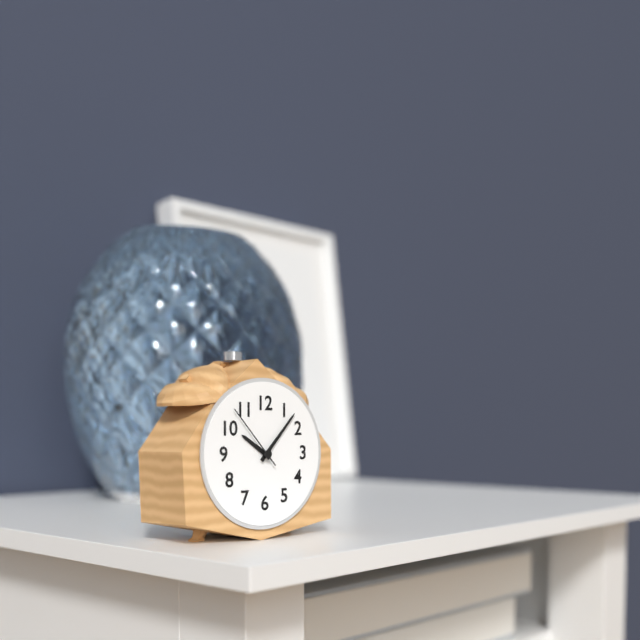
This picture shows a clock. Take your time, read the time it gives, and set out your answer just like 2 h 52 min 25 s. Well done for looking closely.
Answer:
10 h 07 min 53 s
